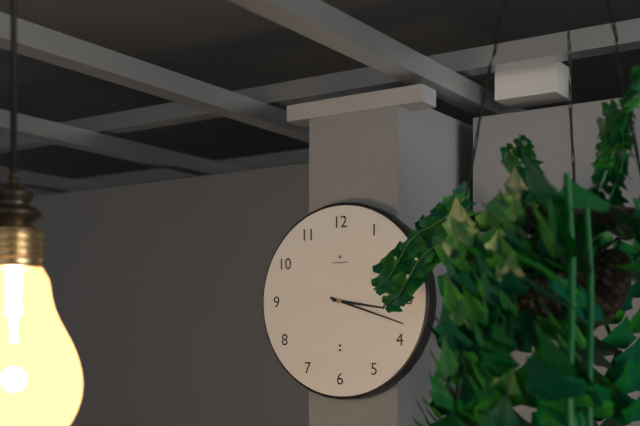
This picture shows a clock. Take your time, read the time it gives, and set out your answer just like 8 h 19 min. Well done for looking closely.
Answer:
3 h 18 min
